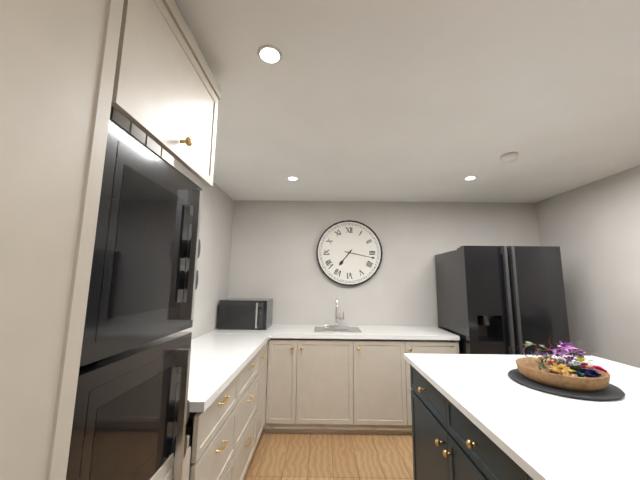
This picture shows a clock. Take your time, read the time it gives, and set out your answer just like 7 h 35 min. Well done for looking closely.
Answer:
7 h 17 min
